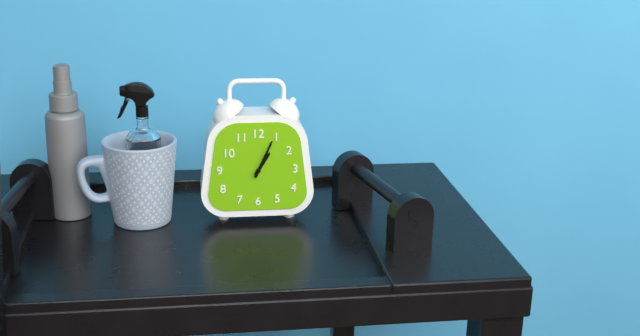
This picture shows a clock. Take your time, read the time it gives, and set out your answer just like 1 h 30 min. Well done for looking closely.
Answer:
1 h 04 min
